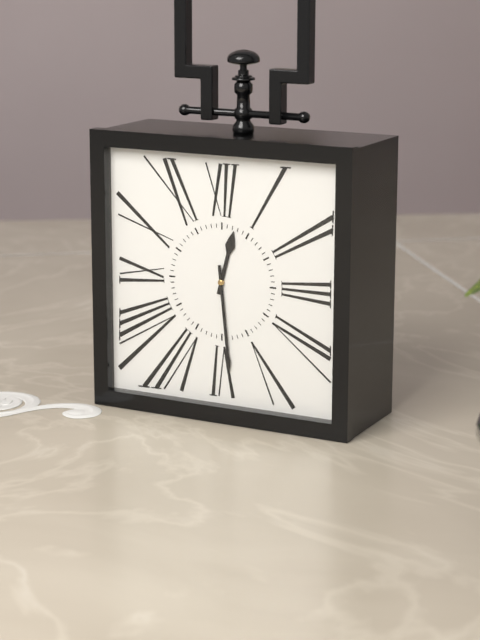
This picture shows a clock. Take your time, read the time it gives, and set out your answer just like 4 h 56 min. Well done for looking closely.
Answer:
12 h 29 min
